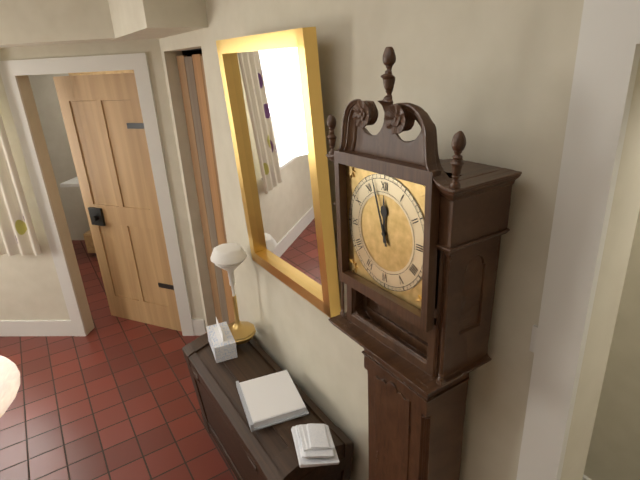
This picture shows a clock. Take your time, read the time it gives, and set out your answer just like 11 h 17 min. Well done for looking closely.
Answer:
11 h 57 min
